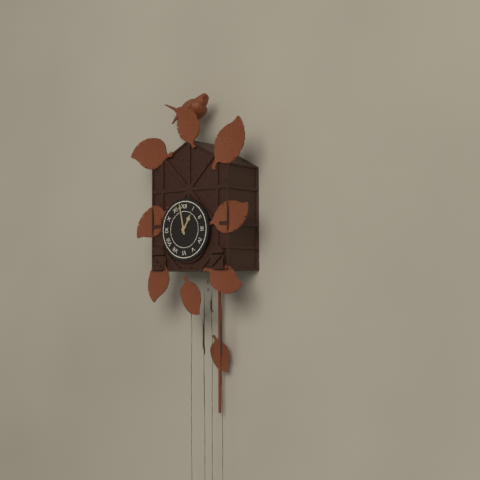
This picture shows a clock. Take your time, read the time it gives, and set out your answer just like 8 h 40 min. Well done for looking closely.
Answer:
12 h 58 min
